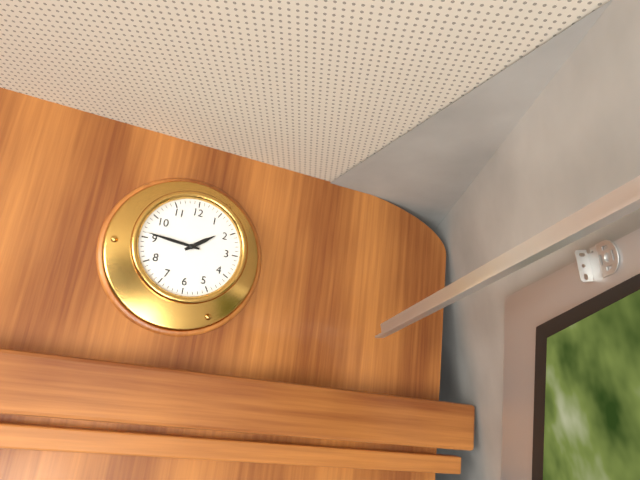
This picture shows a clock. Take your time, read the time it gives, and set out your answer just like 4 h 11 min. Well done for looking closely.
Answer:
1 h 46 min
